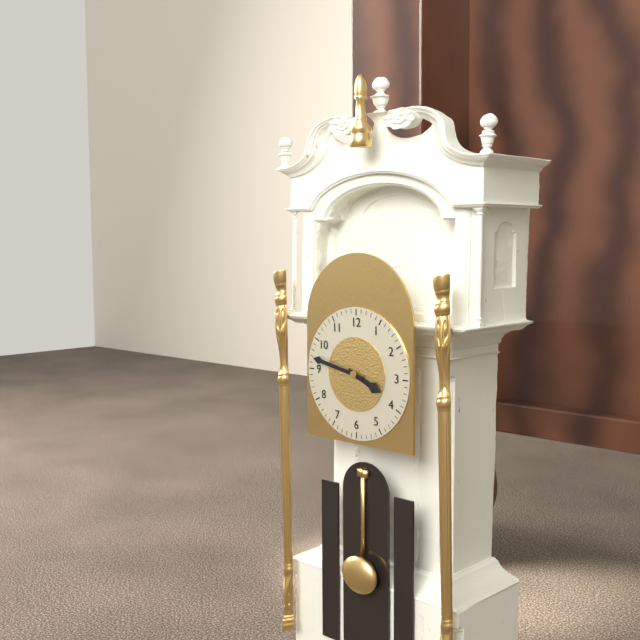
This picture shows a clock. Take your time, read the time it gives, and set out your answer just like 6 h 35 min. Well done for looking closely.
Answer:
3 h 47 min
